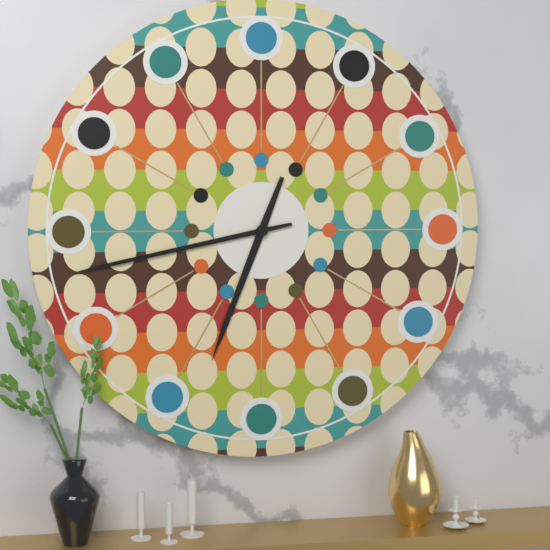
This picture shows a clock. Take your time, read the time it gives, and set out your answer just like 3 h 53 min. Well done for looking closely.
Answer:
6 h 43 min
